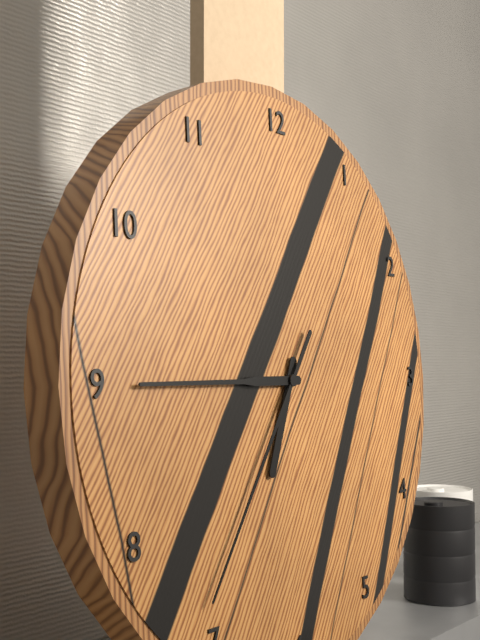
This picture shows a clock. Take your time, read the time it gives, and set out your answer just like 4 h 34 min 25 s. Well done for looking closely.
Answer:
6 h 45 min 36 s
